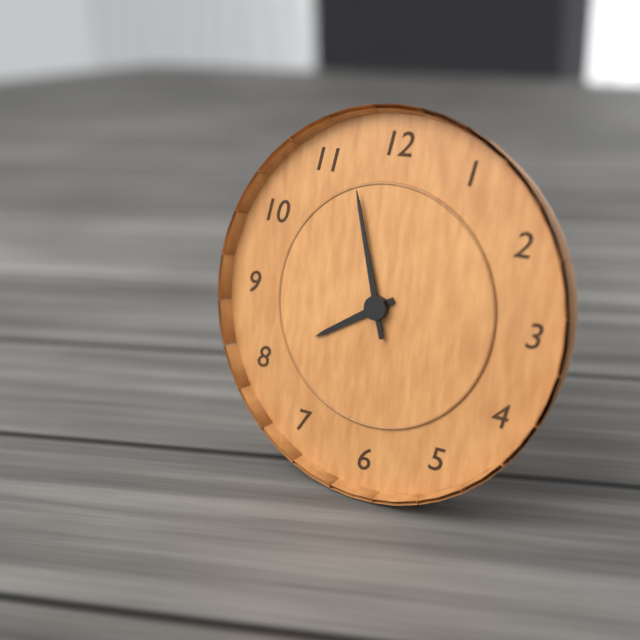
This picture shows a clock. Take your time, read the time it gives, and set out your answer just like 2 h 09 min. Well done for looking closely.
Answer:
7 h 57 min
